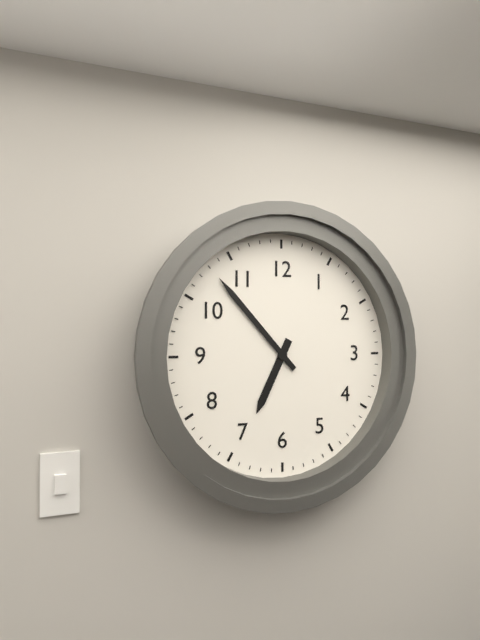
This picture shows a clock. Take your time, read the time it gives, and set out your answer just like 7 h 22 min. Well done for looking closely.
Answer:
6 h 53 min
